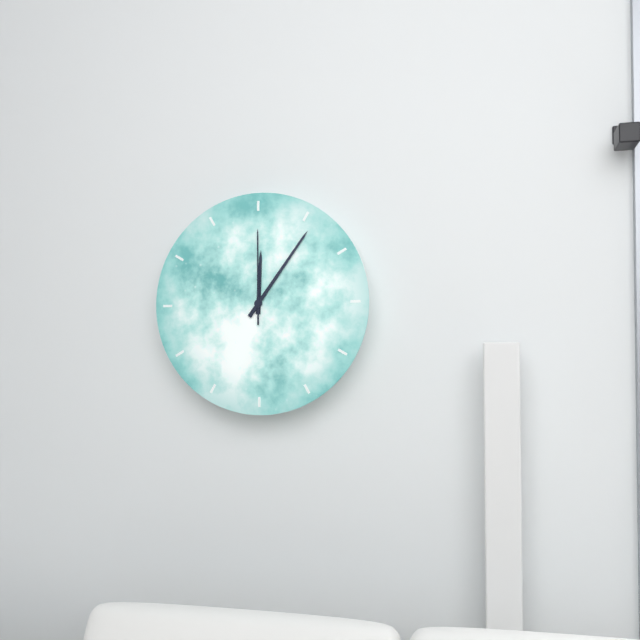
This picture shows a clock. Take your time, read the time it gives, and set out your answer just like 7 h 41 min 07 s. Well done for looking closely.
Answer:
12 h 06 min 00 s
